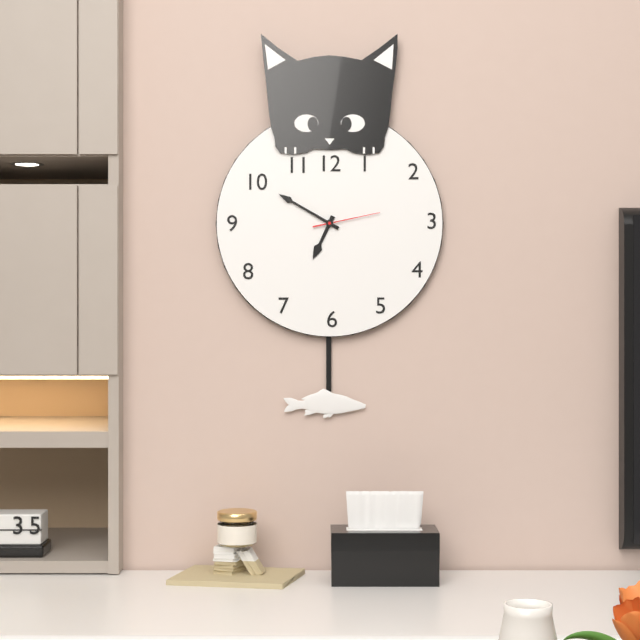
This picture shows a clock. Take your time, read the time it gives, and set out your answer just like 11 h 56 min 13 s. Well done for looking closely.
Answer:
6 h 50 min 13 s
